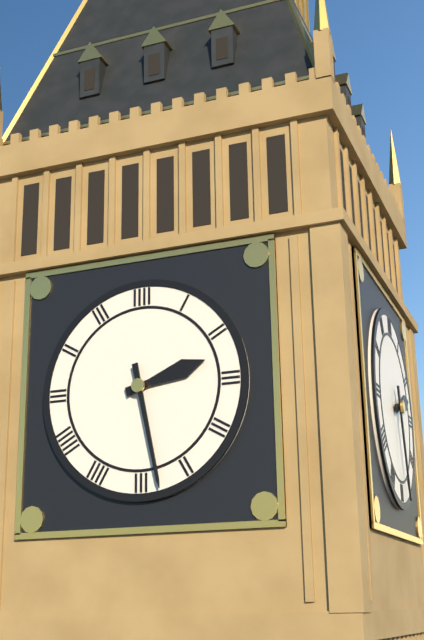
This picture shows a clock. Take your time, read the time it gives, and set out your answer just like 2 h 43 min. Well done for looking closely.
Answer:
2 h 28 min
